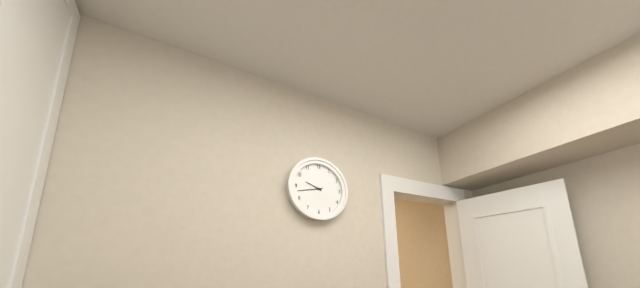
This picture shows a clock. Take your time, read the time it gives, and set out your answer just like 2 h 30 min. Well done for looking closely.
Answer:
9 h 43 min
